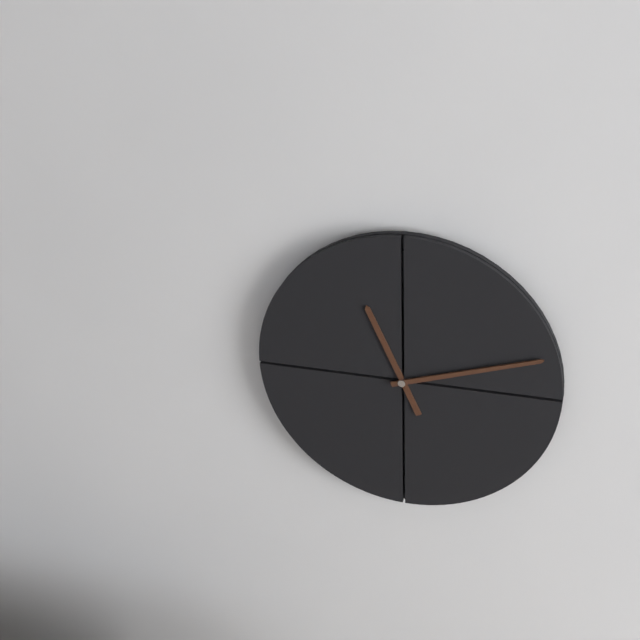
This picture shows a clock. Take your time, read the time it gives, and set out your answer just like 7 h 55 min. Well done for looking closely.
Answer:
11 h 12 min
